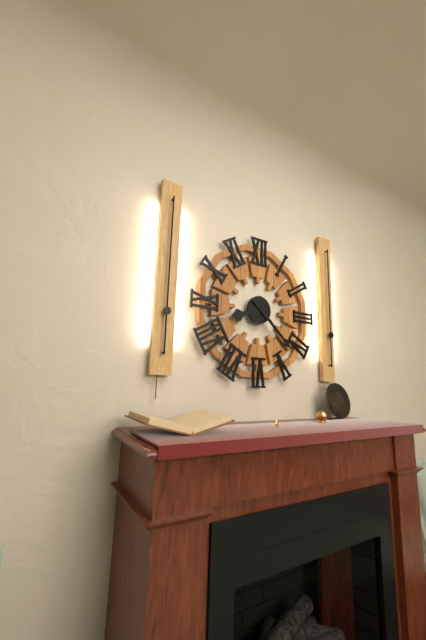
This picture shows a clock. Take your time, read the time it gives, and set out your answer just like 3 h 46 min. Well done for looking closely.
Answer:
8 h 22 min
